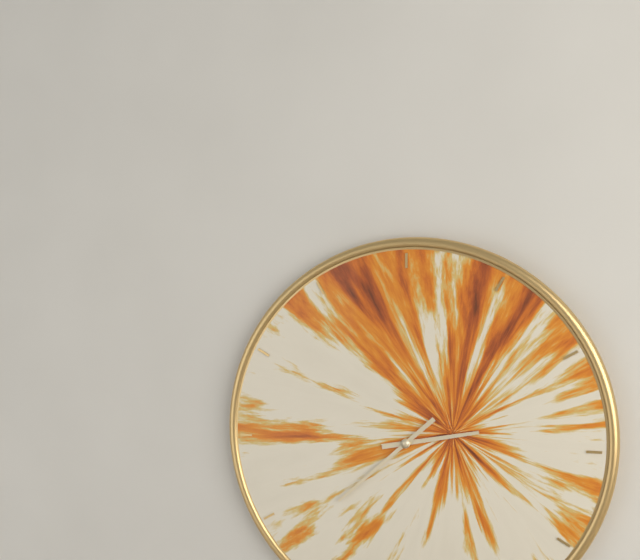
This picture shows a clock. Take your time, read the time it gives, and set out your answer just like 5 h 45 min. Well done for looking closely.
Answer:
2 h 38 min
